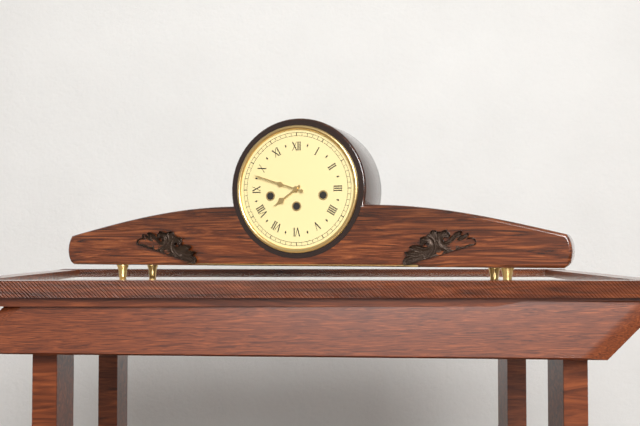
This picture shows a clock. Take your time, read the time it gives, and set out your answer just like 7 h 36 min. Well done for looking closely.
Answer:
7 h 48 min
